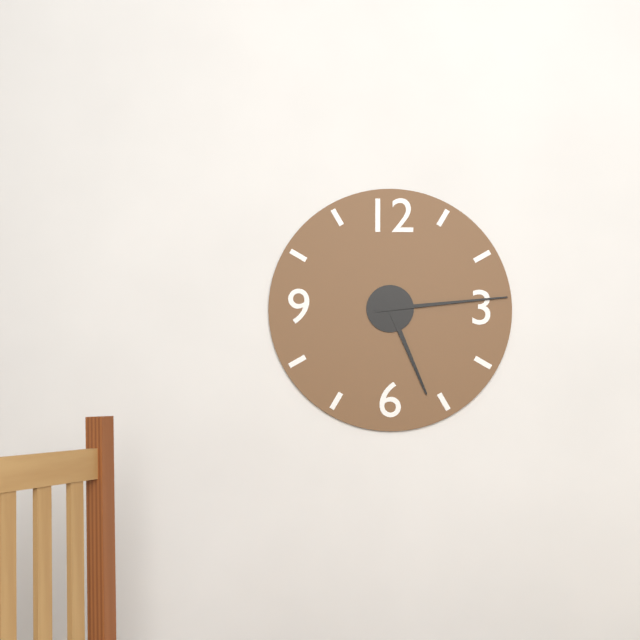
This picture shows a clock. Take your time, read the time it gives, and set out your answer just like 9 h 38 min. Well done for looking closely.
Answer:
5 h 14 min
